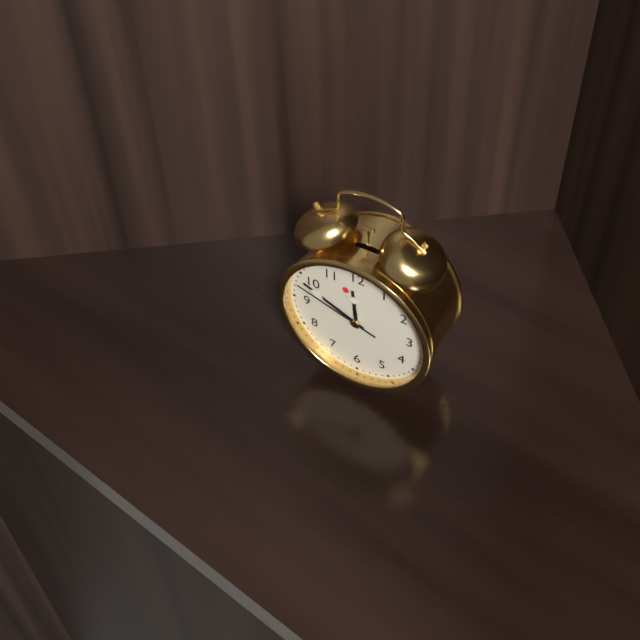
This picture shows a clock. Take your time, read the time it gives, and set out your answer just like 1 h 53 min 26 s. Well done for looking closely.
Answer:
11 h 49 min 48 s
